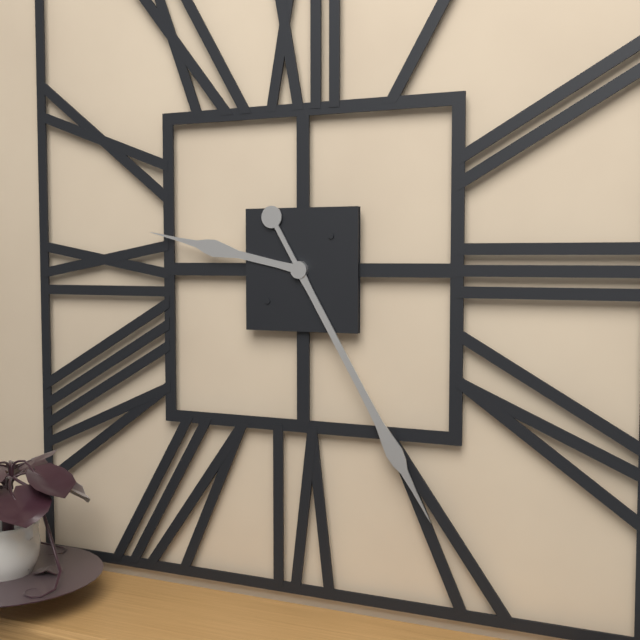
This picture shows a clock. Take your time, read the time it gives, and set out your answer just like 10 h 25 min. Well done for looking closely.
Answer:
9 h 25 min
